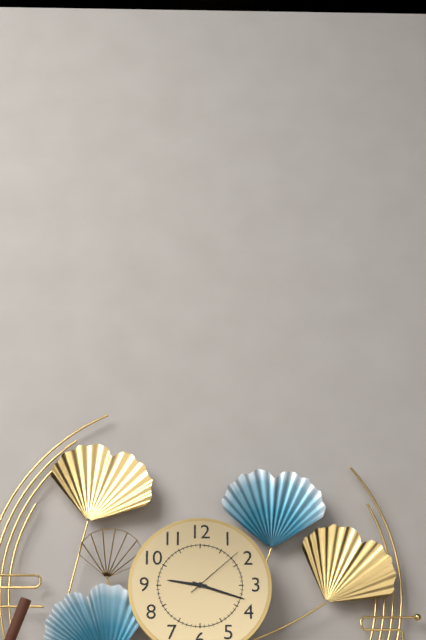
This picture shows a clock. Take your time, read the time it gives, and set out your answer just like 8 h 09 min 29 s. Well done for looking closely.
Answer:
9 h 18 min 08 s
